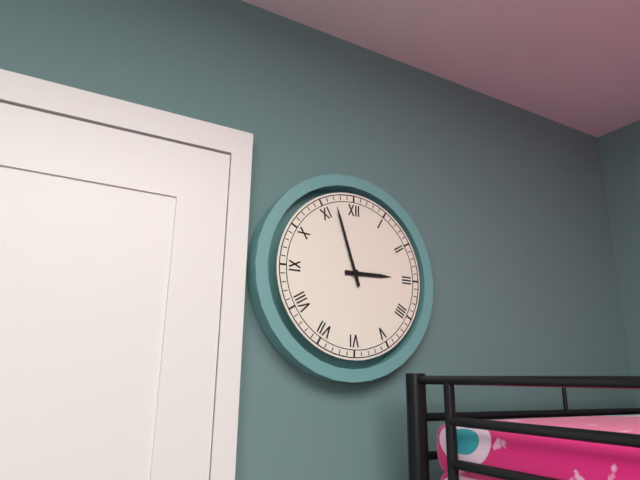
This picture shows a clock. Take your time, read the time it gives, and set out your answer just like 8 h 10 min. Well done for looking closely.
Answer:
2 h 57 min
